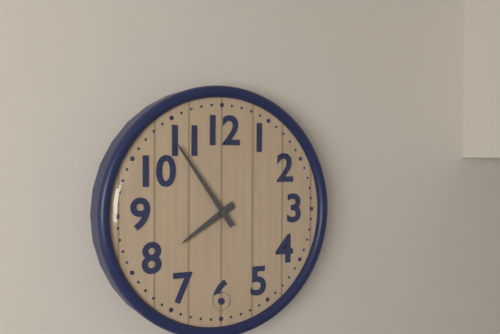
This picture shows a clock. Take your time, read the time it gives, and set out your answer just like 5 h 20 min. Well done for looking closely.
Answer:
7 h 54 min
